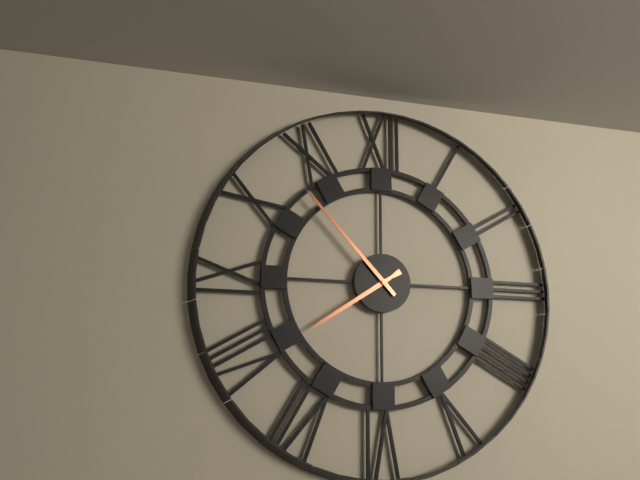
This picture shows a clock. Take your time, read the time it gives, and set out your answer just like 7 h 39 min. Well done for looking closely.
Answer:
7 h 53 min
